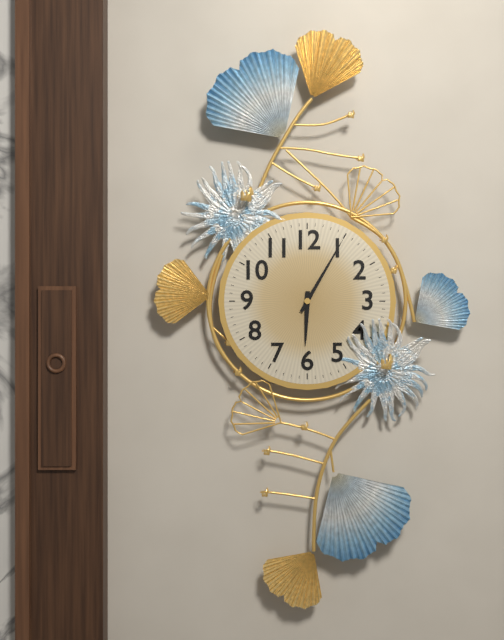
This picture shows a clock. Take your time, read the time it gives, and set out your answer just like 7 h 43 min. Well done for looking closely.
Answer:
6 h 05 min
